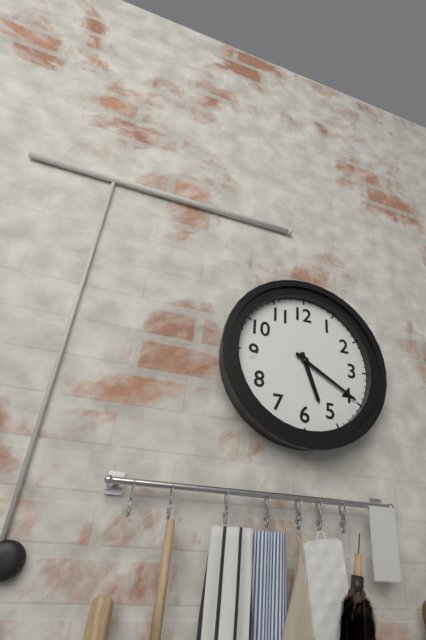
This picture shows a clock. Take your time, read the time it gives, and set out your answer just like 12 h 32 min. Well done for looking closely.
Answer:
5 h 20 min
